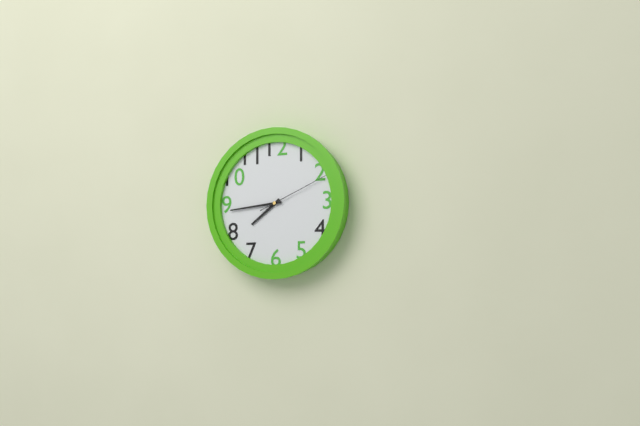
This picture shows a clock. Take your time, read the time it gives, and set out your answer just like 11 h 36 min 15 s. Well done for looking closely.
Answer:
7 h 44 min 11 s
